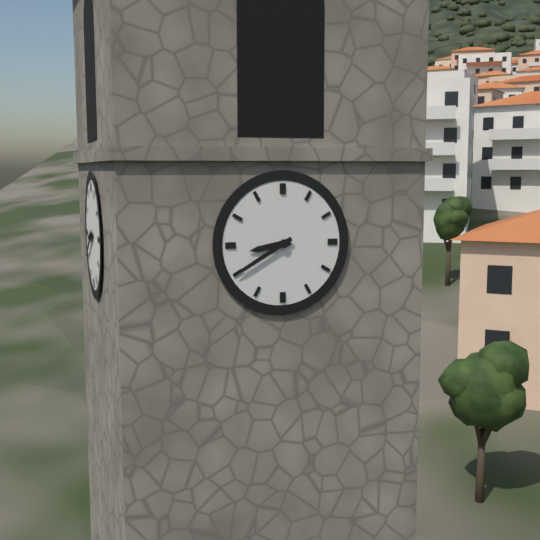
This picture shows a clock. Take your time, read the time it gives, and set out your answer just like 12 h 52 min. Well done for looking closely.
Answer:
8 h 40 min
